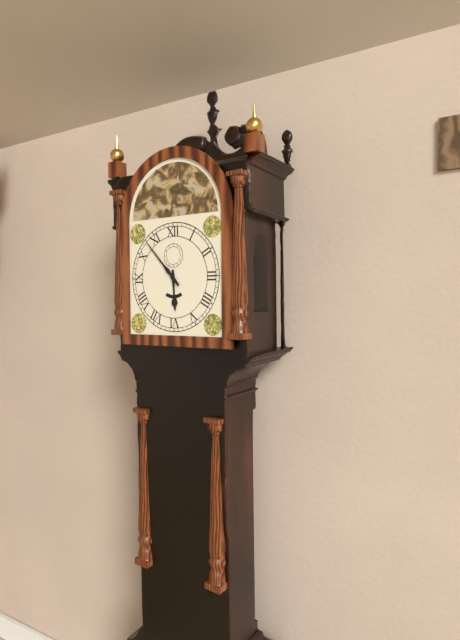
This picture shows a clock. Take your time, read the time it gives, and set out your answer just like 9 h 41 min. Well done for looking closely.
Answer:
5 h 53 min
